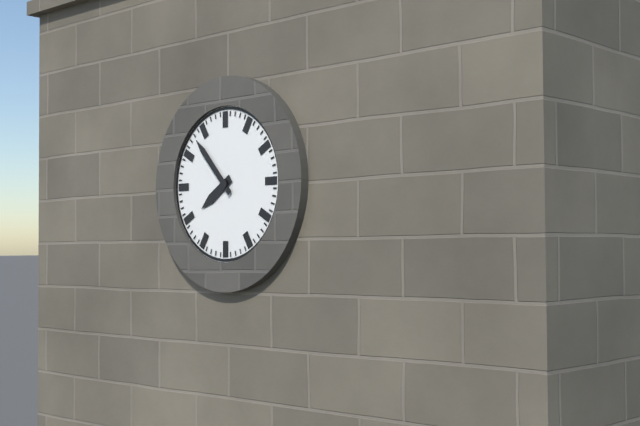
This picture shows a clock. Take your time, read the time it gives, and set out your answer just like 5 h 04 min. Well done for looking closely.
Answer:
7 h 53 min
